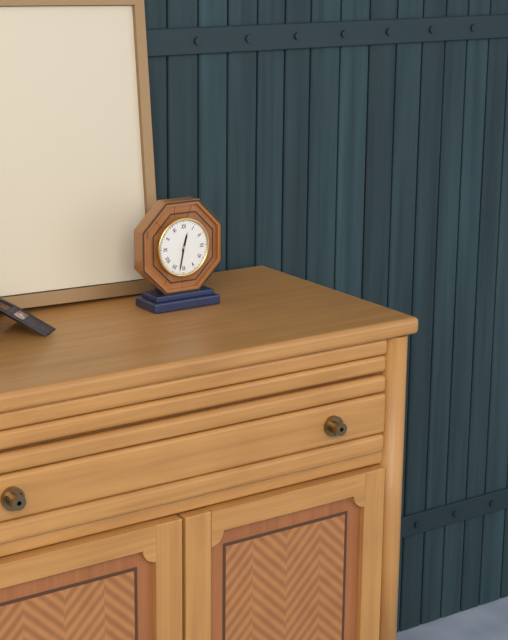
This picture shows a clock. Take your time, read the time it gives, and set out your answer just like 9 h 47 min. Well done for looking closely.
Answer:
12 h 32 min
